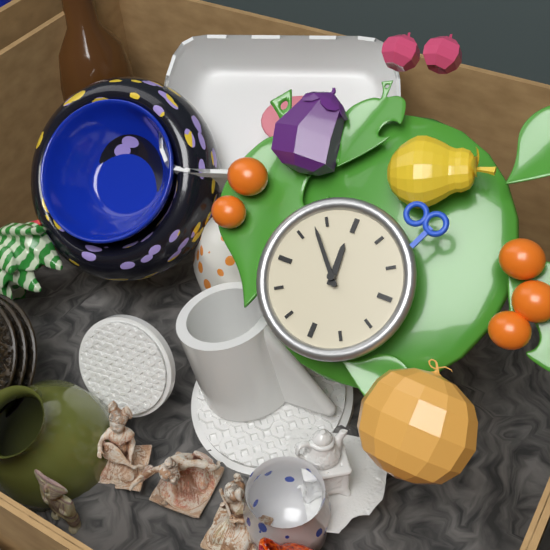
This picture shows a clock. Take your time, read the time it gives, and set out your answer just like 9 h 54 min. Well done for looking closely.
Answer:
11 h 53 min
